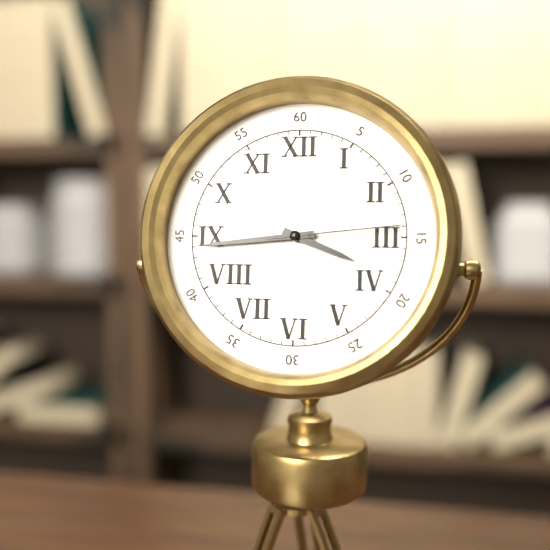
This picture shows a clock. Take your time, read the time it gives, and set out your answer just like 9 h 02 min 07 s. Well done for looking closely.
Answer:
3 h 44 min 14 s
